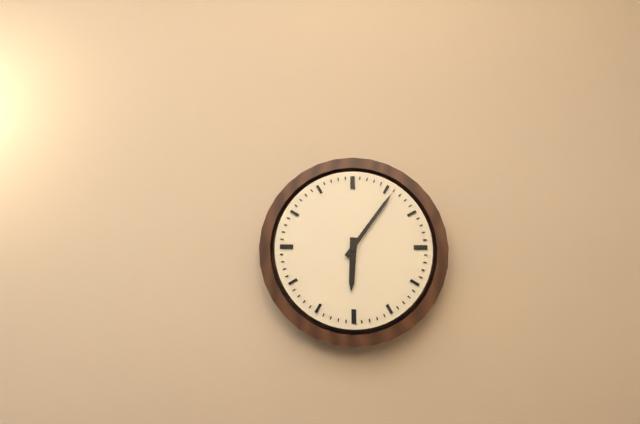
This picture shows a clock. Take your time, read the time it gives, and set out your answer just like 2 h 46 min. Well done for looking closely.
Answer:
6 h 06 min
